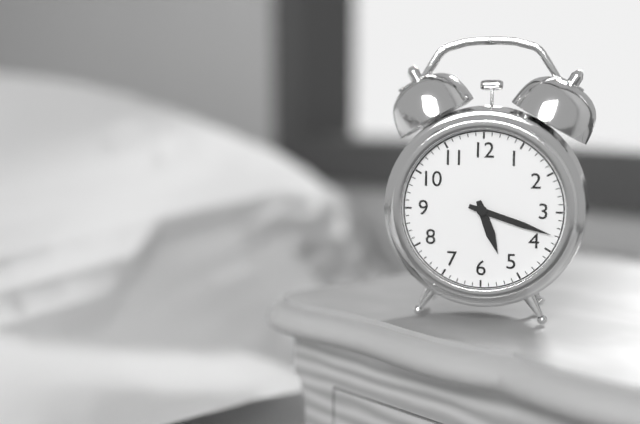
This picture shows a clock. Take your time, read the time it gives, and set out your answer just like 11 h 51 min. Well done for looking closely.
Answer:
5 h 18 min
